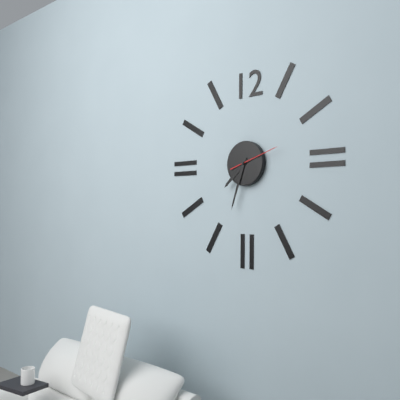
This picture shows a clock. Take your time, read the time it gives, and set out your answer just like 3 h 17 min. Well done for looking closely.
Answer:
7 h 33 min
